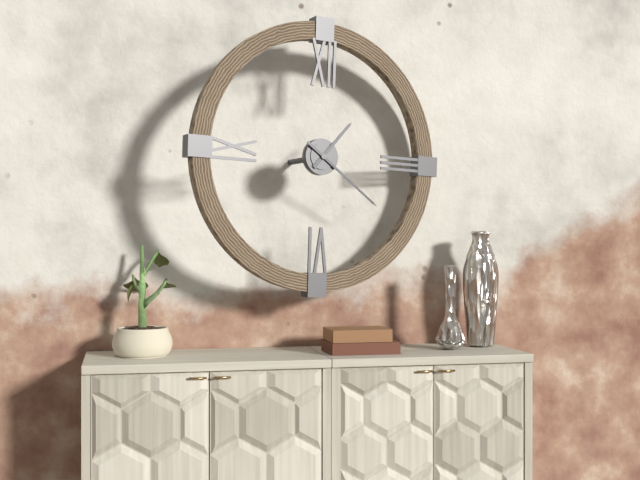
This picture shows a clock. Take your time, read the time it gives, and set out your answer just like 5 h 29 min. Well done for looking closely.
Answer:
1 h 21 min
